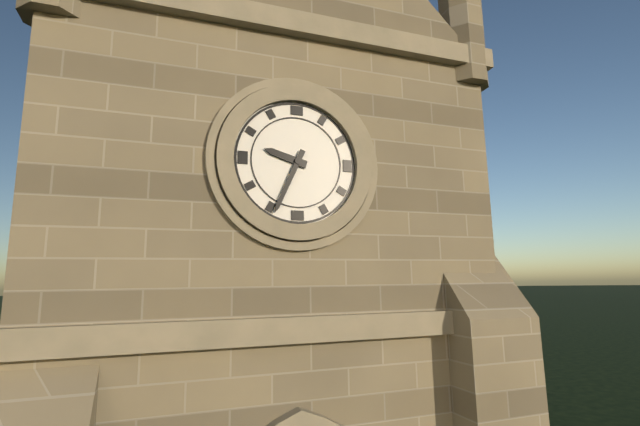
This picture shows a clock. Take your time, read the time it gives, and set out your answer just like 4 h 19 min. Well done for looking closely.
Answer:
9 h 34 min
